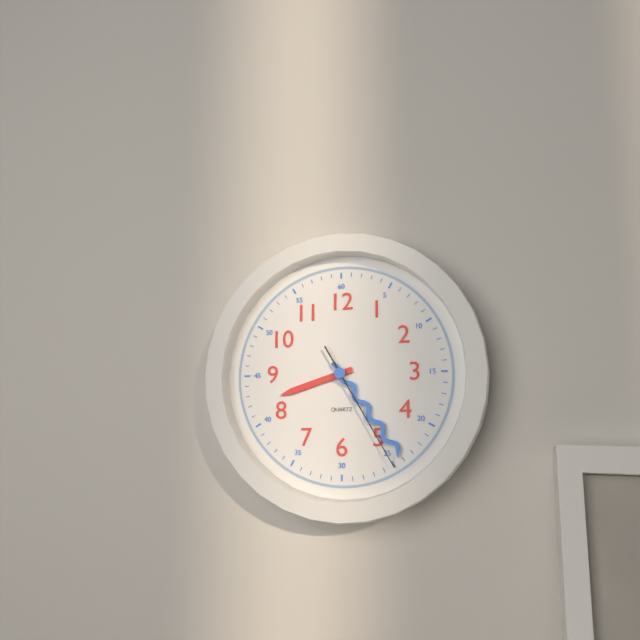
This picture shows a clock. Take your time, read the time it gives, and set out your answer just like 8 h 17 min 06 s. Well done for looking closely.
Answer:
8 h 24 min 25 s
